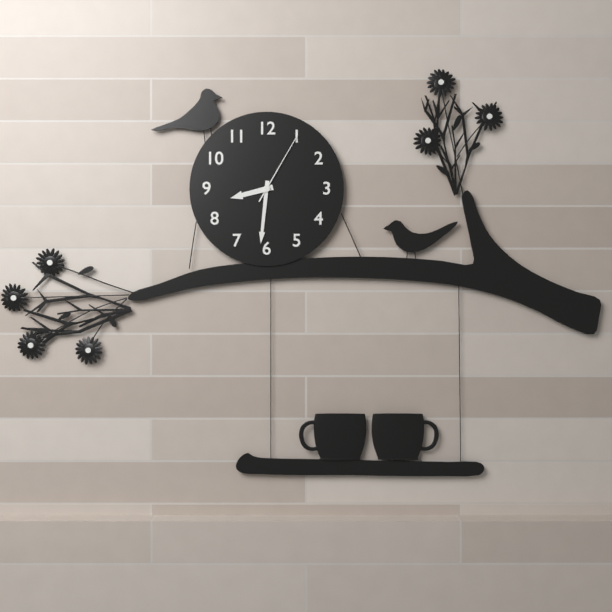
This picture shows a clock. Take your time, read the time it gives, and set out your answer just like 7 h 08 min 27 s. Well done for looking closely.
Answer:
8 h 31 min 05 s
